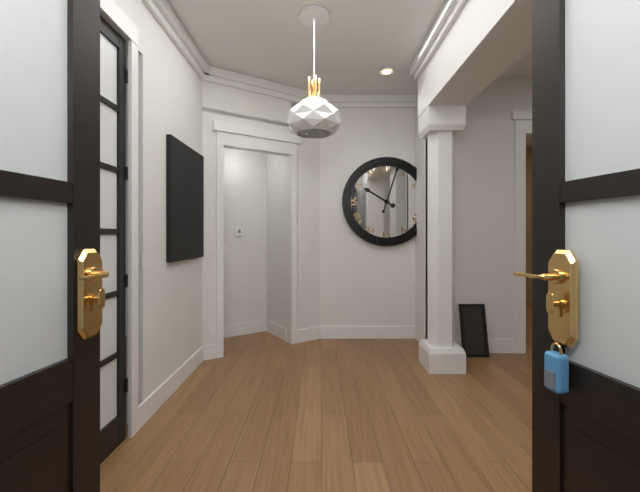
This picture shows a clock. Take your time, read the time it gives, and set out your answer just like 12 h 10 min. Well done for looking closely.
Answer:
10 h 03 min
